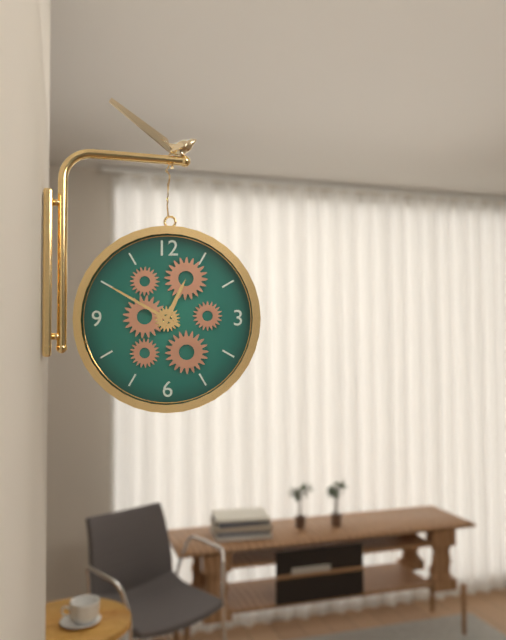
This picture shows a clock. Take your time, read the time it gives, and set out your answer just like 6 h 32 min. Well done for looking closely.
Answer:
12 h 50 min
